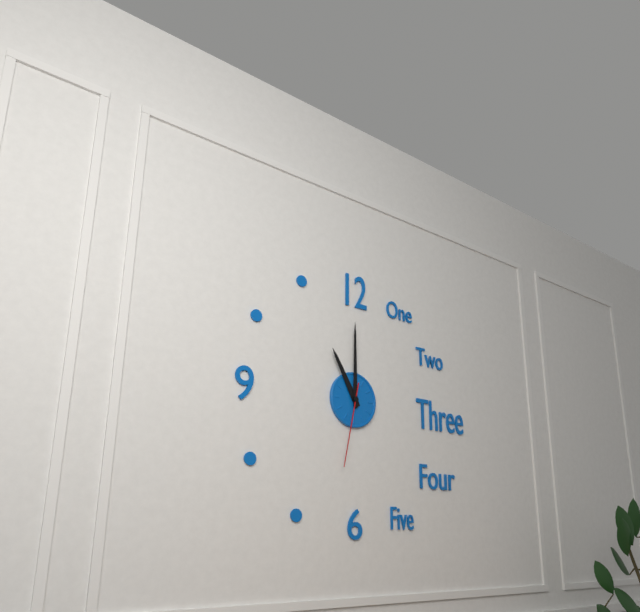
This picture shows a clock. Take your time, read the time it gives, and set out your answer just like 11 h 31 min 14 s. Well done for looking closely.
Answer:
11 h 00 min 32 s
